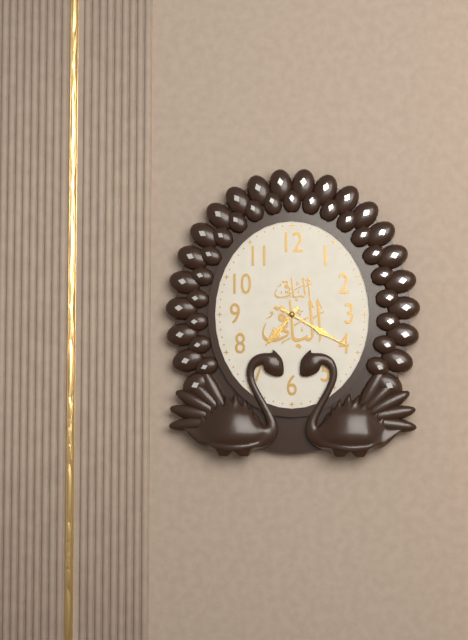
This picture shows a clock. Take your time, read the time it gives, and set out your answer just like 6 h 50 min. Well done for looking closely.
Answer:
7 h 20 min
